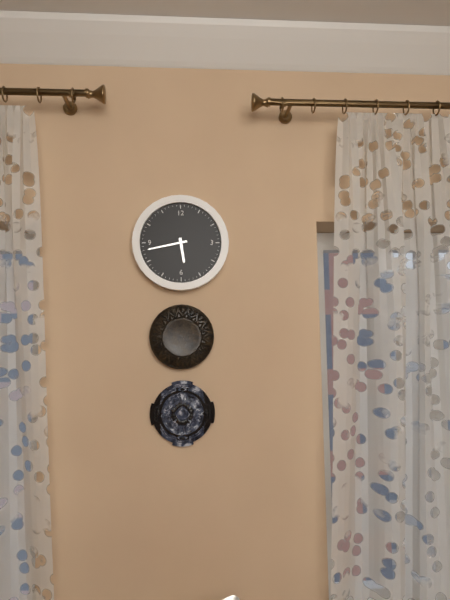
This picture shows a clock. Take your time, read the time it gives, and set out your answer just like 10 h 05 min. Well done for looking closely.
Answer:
5 h 43 min
